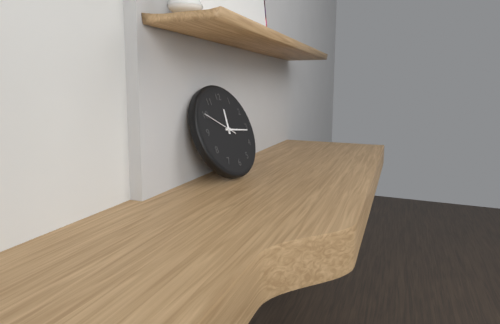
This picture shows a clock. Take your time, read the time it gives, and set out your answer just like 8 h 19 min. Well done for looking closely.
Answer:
12 h 16 min
